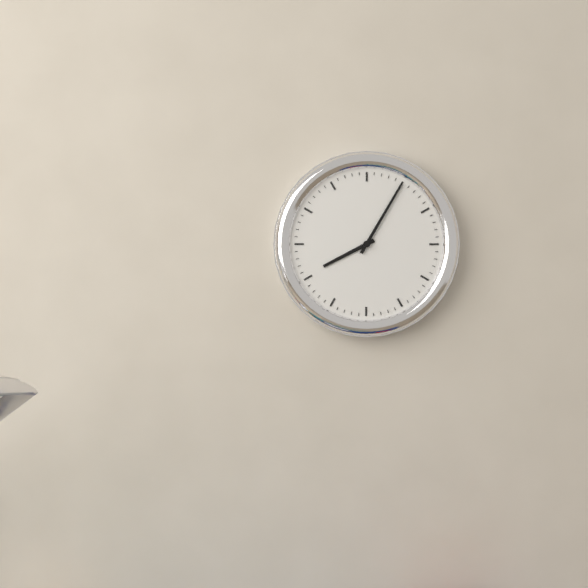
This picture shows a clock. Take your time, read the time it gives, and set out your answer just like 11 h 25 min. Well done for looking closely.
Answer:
8 h 05 min
